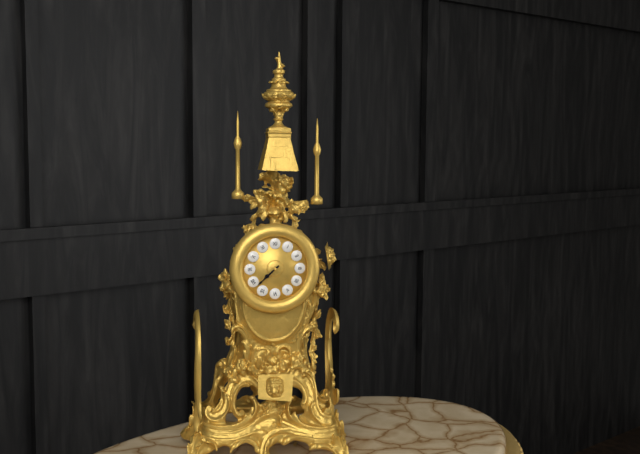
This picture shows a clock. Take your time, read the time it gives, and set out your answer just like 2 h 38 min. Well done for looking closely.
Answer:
7 h 38 min
